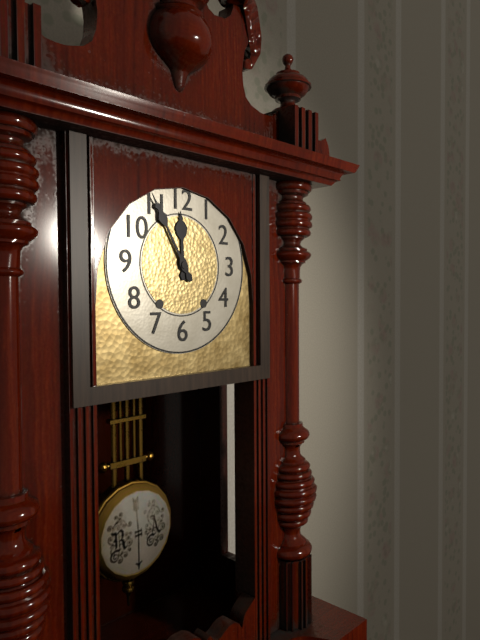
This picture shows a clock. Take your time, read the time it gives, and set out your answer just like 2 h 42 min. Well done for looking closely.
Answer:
11 h 55 min
